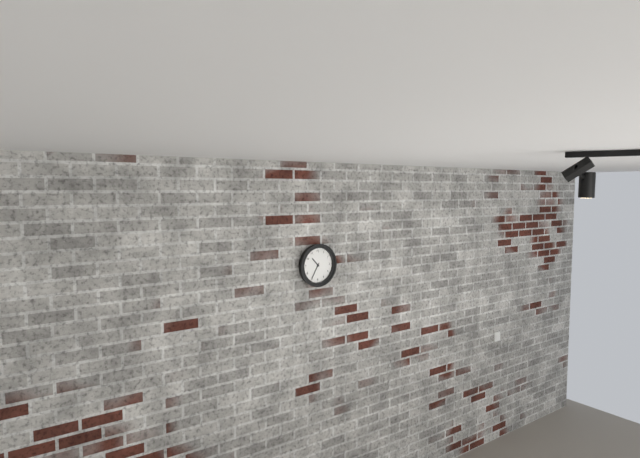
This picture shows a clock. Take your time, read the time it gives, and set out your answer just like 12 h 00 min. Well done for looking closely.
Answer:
10 h 35 min
